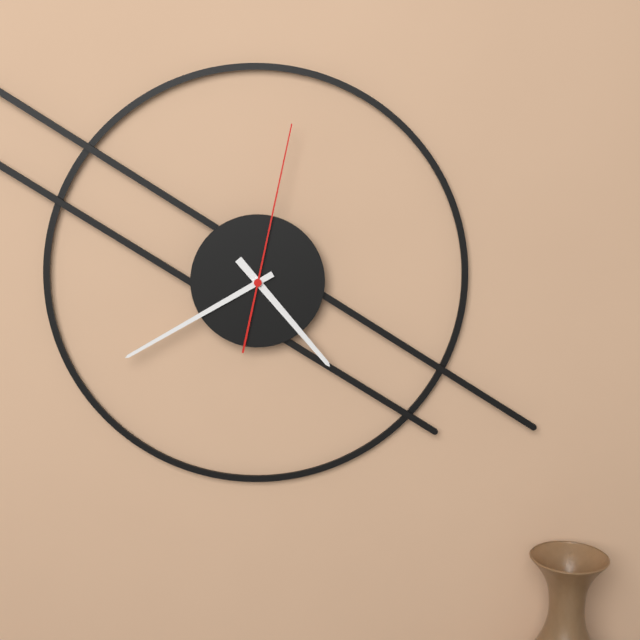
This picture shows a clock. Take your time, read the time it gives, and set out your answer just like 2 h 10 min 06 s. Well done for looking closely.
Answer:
4 h 40 min 02 s
